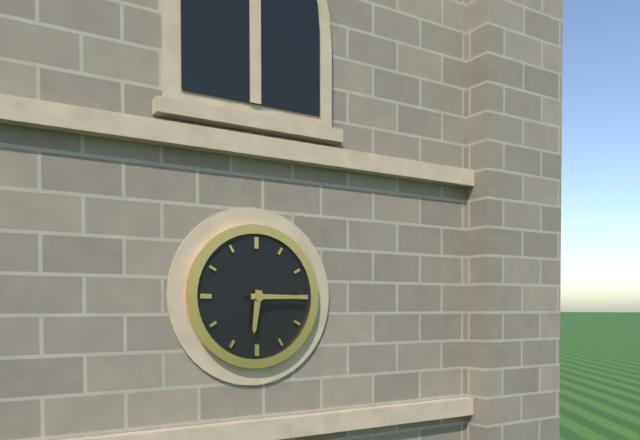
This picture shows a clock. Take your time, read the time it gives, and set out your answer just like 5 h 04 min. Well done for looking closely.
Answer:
6 h 15 min
